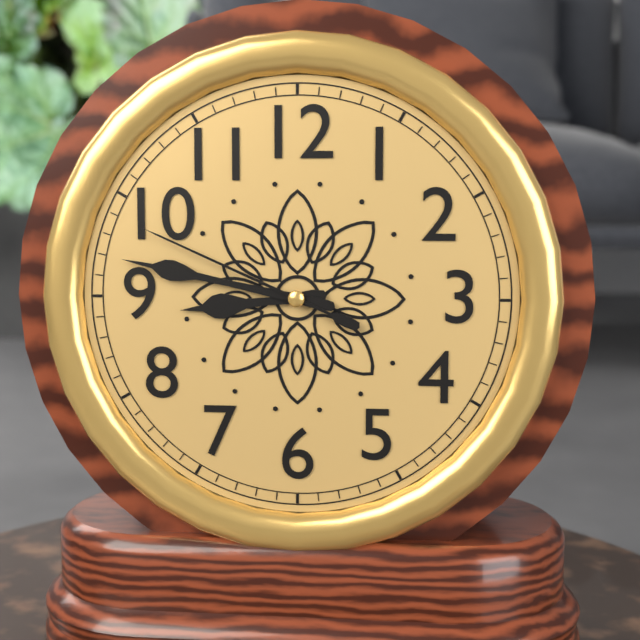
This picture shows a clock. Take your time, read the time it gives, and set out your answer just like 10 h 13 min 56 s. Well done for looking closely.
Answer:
8 h 47 min 49 s
